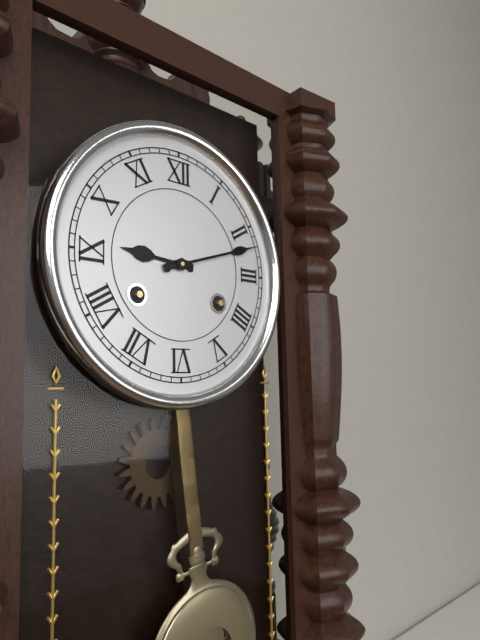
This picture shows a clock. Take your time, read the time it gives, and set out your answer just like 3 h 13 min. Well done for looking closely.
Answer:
9 h 12 min
